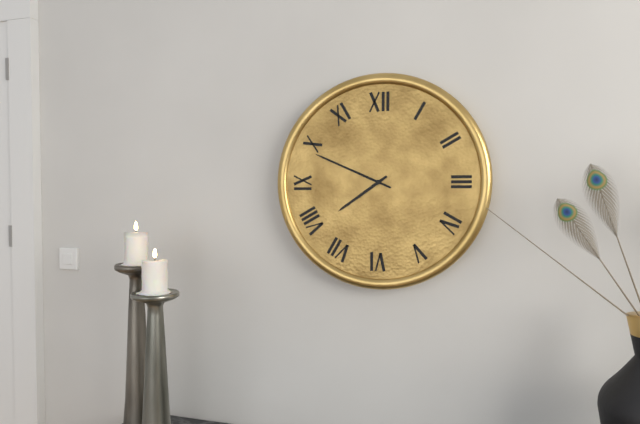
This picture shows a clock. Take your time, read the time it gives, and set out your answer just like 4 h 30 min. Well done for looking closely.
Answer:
7 h 49 min
